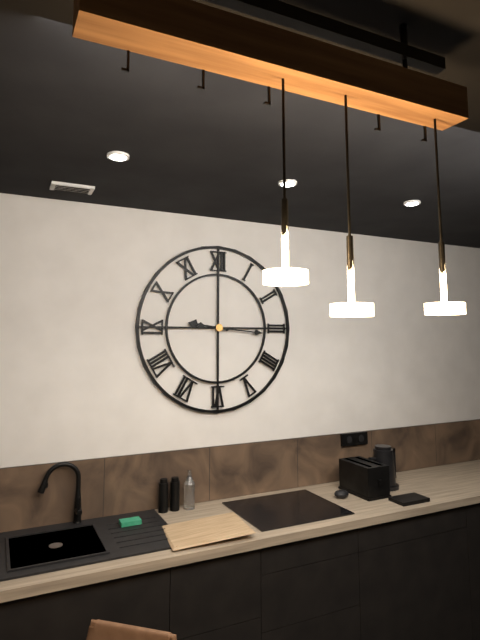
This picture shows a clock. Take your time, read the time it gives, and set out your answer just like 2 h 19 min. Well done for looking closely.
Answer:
9 h 16 min
